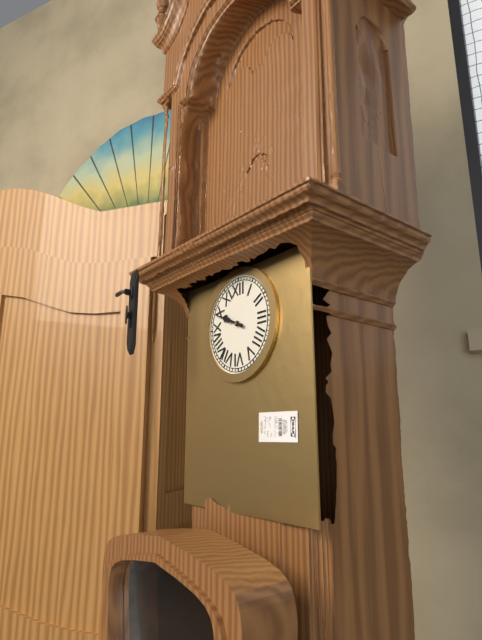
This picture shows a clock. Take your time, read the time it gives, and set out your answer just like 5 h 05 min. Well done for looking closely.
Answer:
9 h 49 min
